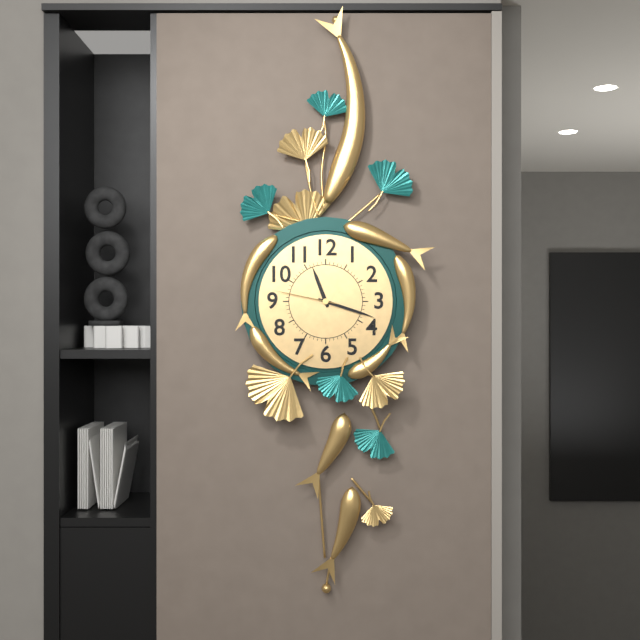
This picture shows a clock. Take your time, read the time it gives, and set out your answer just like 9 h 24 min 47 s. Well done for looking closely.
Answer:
11 h 18 min 47 s
